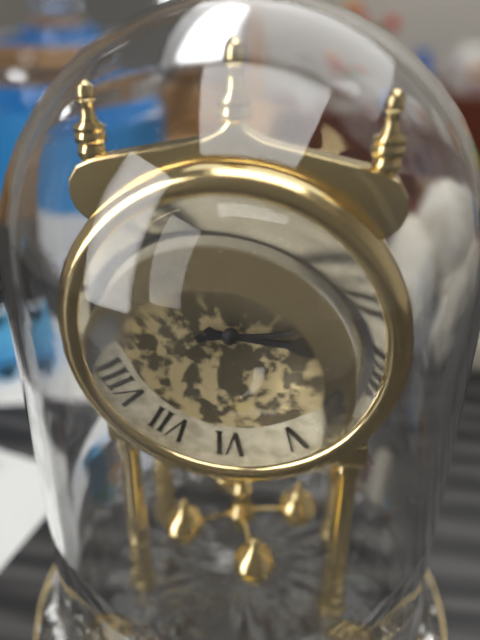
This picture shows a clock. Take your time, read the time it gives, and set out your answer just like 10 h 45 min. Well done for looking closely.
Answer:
3 h 14 min
